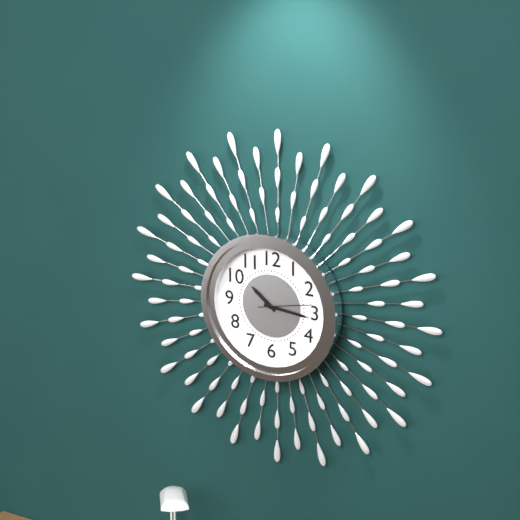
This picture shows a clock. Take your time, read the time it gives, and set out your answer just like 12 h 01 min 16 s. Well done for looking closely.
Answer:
10 h 16 min 13 s
